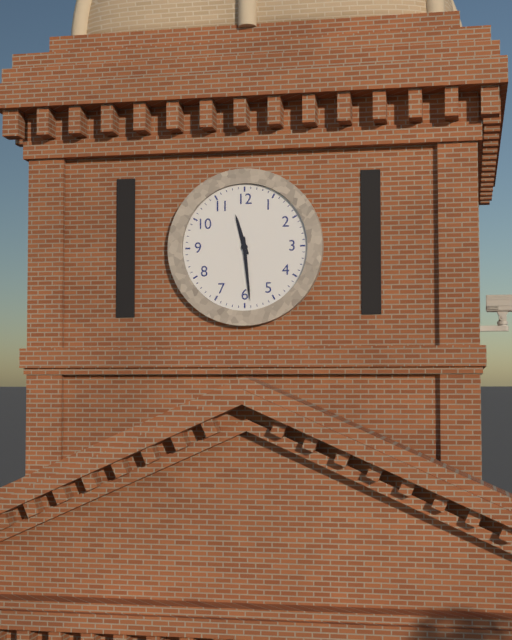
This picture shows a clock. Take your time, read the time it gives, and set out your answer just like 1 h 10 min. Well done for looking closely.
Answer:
11 h 29 min
